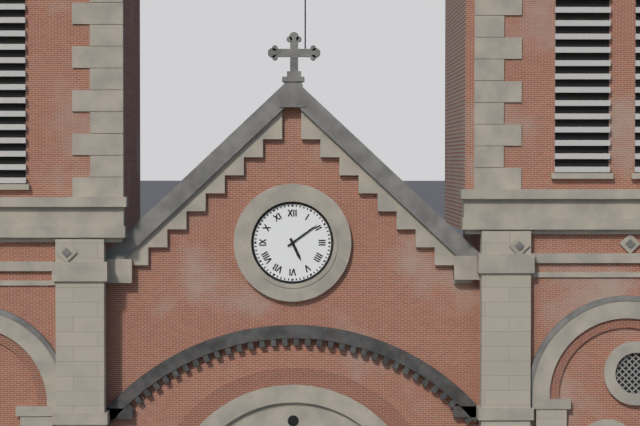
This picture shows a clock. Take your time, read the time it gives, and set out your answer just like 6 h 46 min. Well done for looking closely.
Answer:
5 h 09 min
